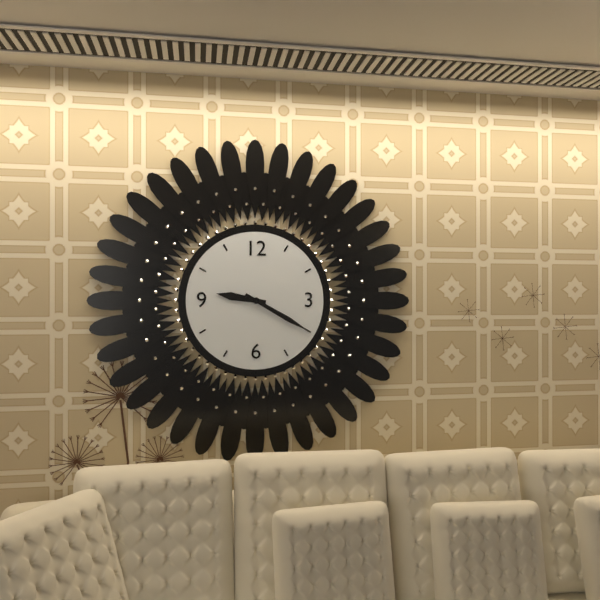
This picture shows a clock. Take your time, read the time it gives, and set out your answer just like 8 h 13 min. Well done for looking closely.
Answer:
9 h 20 min
